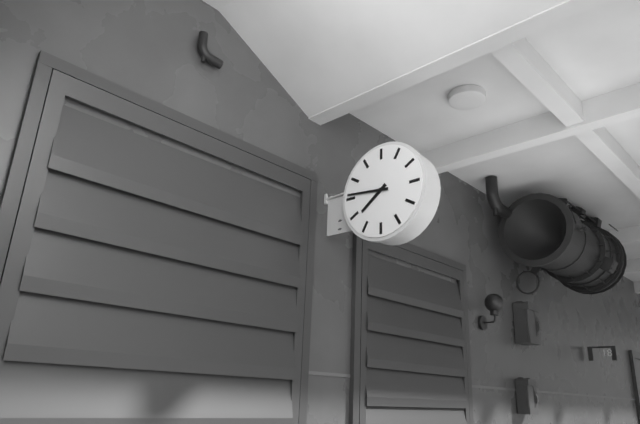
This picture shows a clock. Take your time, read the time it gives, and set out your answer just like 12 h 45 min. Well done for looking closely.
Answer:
7 h 46 min
